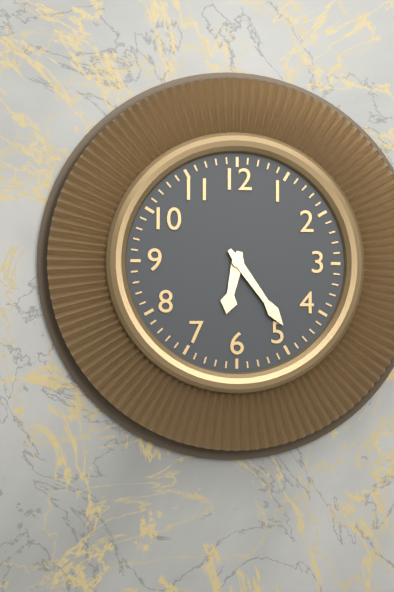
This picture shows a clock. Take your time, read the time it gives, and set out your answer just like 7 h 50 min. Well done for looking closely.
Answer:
6 h 24 min
